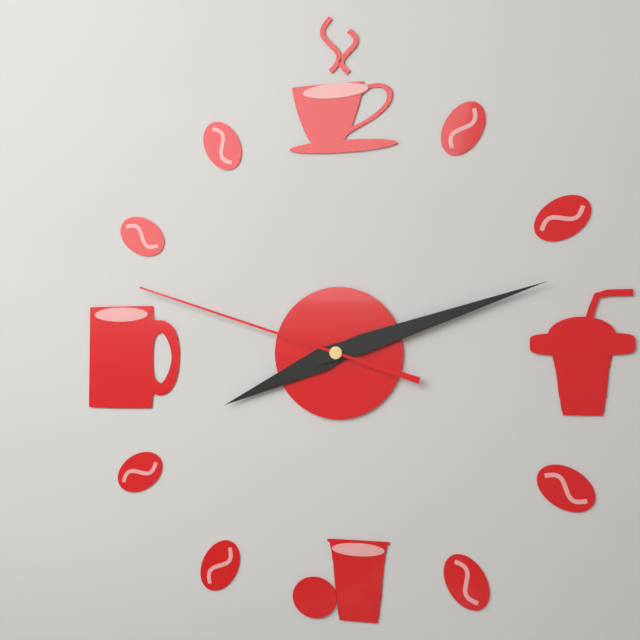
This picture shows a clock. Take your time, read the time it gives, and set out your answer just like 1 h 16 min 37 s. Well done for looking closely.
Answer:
8 h 12 min 48 s
